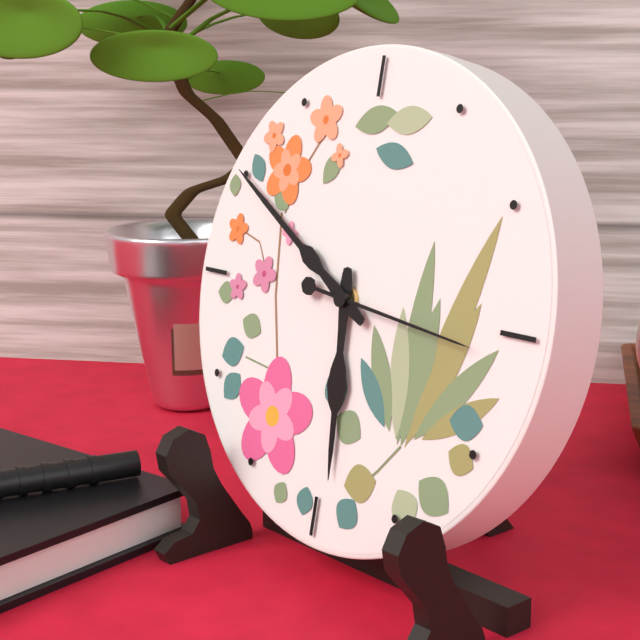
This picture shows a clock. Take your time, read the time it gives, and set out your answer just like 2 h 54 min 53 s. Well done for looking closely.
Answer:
5 h 50 min 16 s
